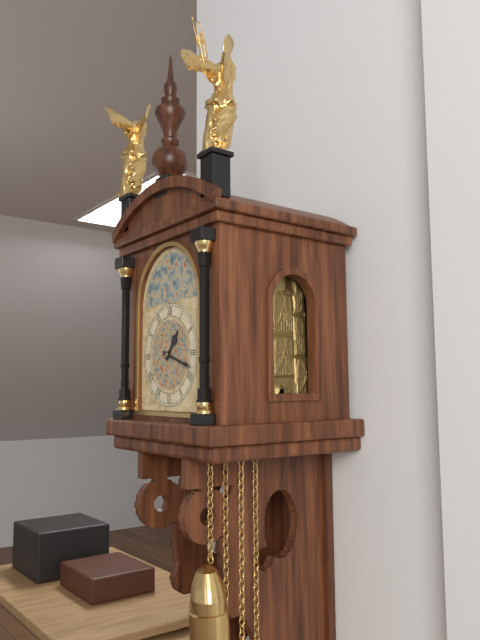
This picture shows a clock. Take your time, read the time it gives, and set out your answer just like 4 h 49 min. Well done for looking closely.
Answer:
1 h 18 min
